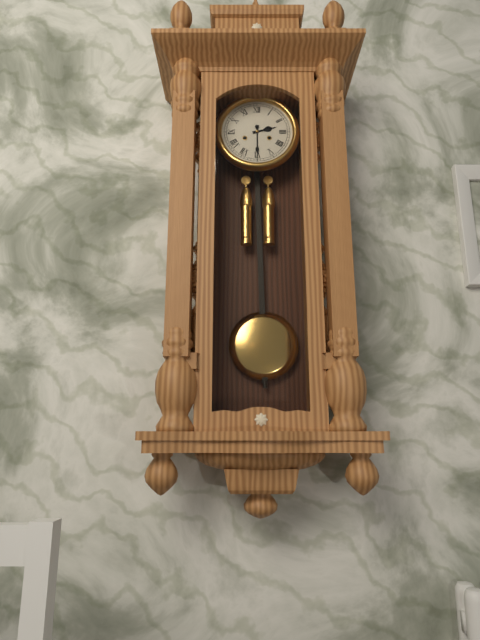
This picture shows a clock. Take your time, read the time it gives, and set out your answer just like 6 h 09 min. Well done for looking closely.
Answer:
2 h 30 min
